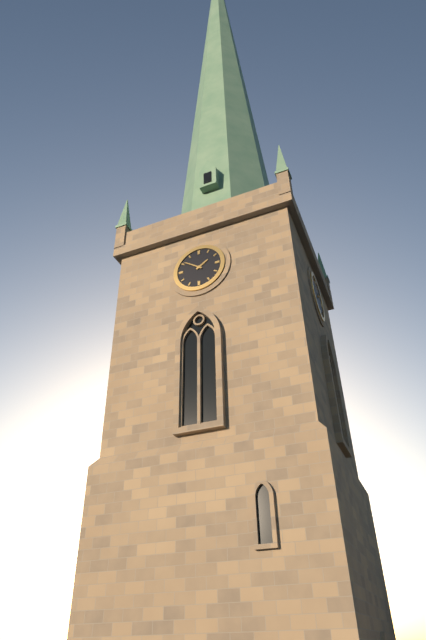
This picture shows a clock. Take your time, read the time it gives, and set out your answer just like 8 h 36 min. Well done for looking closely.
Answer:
1 h 51 min
